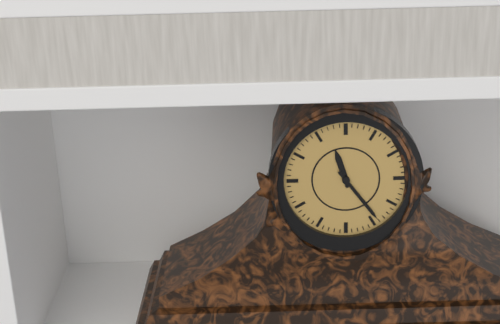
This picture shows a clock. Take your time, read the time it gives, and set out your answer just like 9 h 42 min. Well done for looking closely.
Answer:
11 h 24 min
